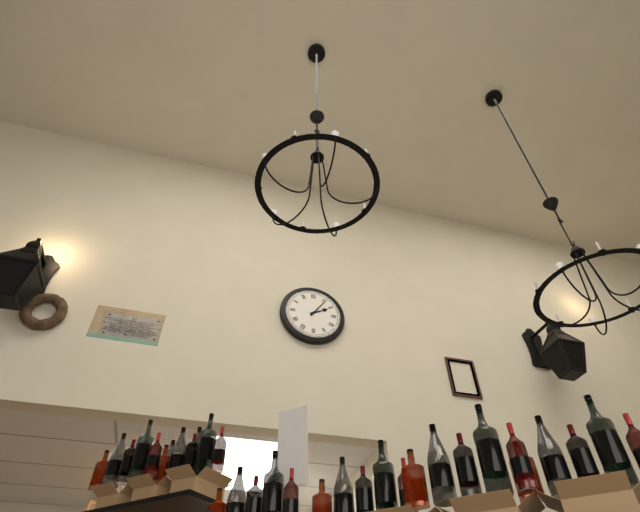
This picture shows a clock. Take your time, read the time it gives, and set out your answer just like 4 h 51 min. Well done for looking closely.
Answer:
2 h 06 min
